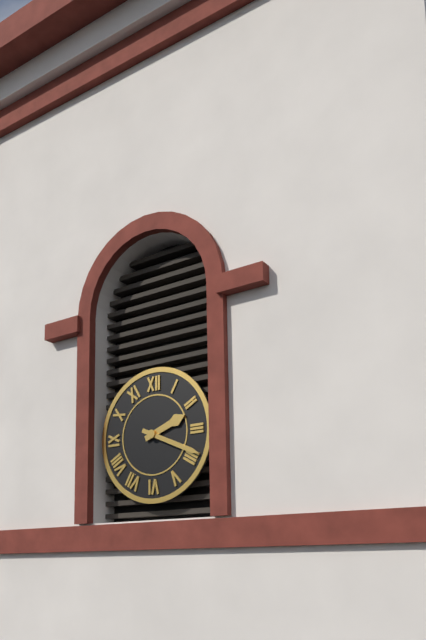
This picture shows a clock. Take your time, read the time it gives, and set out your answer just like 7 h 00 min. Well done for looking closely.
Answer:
2 h 19 min
